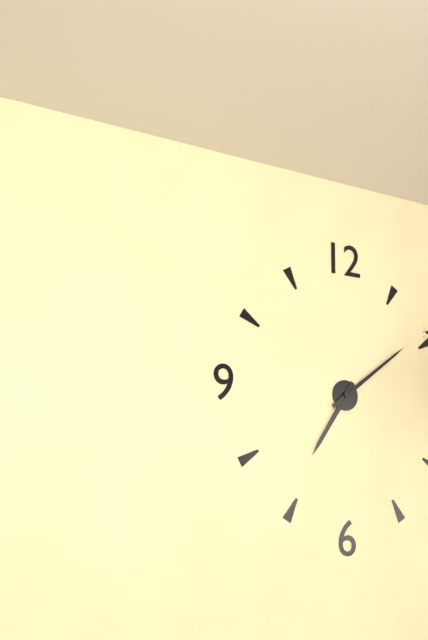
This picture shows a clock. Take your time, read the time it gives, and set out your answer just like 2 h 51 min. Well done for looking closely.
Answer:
7 h 09 min
